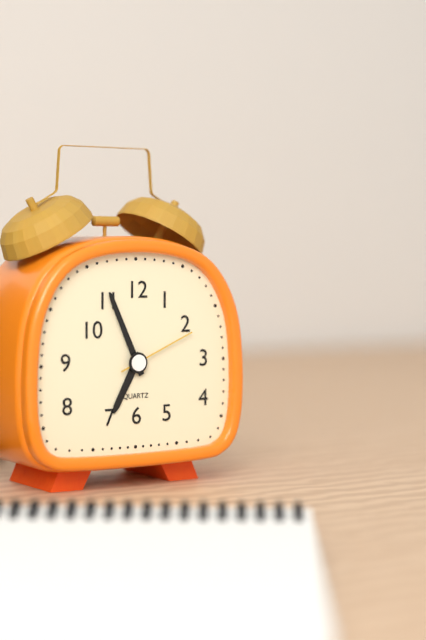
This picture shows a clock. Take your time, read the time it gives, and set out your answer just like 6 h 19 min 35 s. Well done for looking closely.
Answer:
6 h 56 min 11 s
